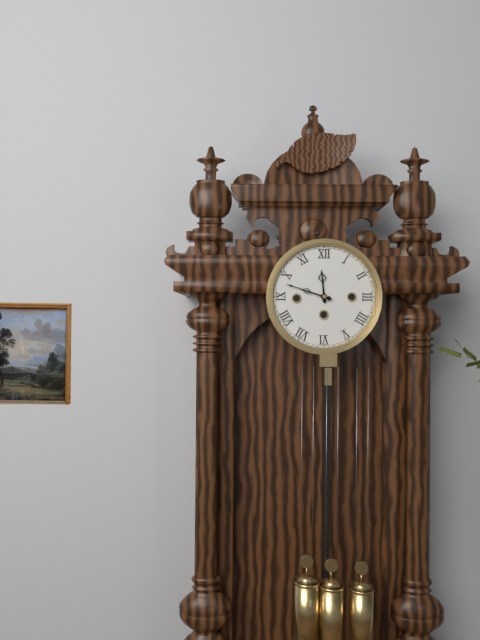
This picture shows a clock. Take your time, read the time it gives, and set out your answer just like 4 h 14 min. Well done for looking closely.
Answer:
11 h 48 min
